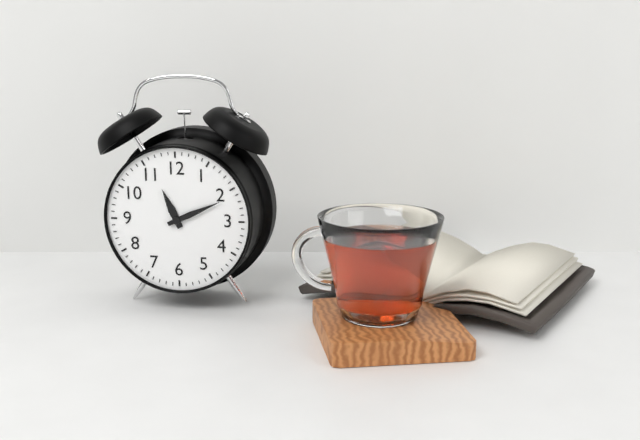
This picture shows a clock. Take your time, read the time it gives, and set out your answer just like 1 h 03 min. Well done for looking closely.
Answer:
11 h 11 min
